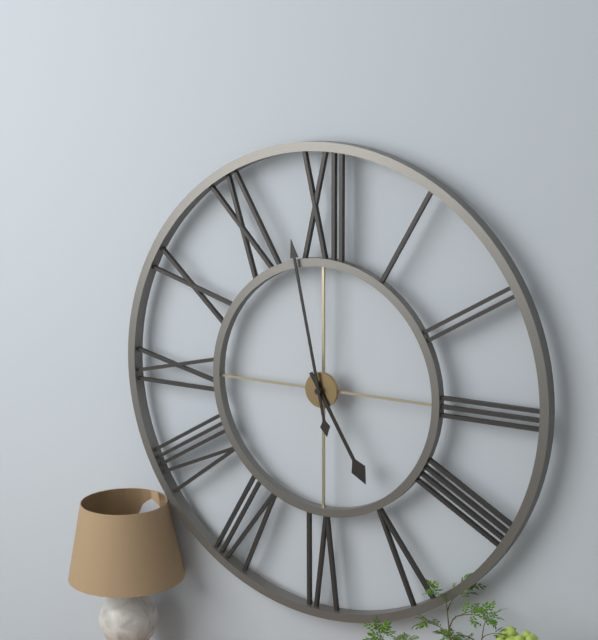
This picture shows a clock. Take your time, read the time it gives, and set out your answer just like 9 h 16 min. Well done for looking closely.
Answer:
4 h 58 min
